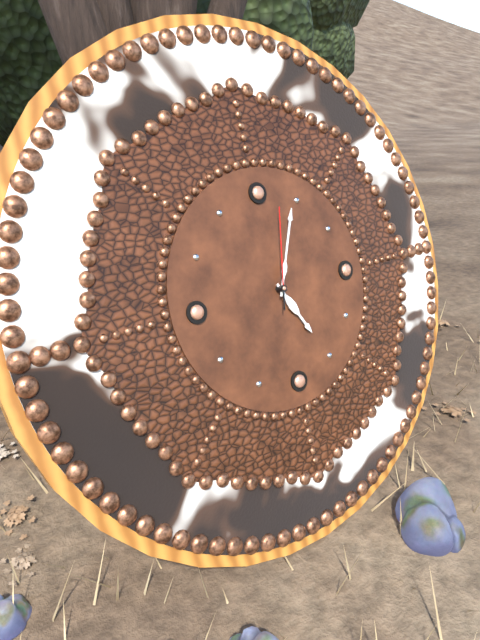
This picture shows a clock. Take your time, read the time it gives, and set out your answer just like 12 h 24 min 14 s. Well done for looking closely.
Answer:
5 h 04 min 02 s
